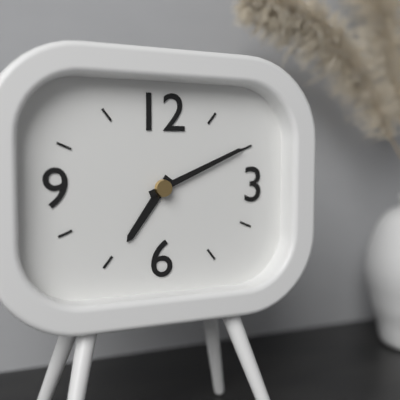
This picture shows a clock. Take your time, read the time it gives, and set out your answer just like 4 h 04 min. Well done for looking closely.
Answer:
7 h 11 min
